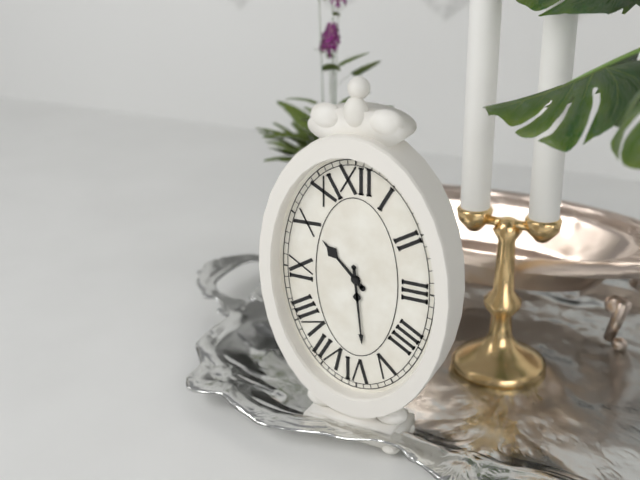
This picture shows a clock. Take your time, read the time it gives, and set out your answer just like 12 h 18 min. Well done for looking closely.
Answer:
10 h 29 min
